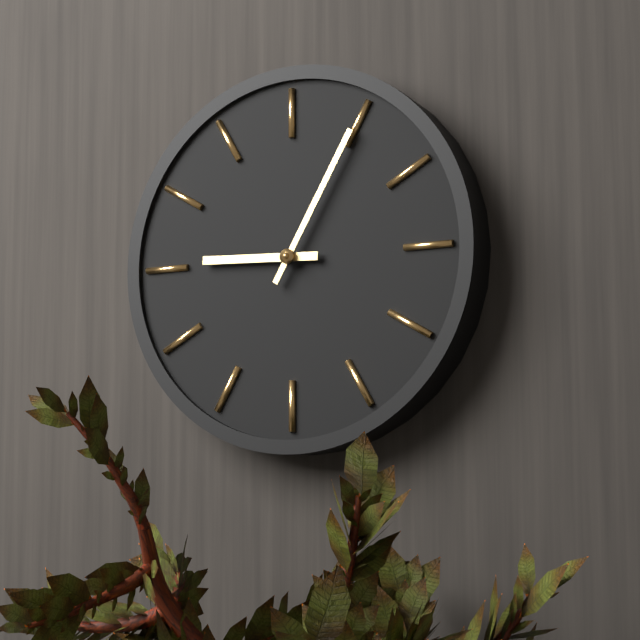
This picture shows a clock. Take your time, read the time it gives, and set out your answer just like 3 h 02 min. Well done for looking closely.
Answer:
9 h 05 min
